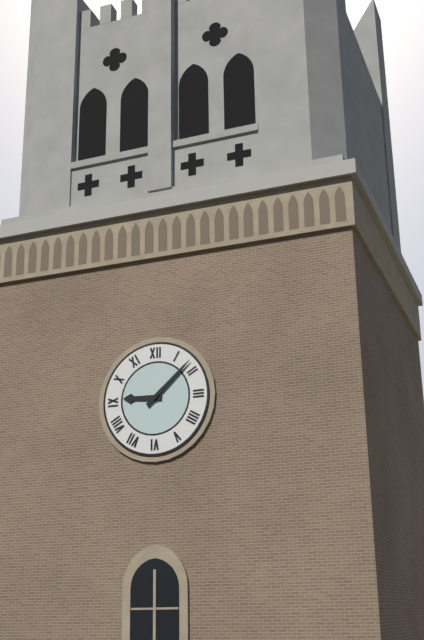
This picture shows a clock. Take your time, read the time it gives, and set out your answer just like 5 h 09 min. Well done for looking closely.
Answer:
9 h 08 min
